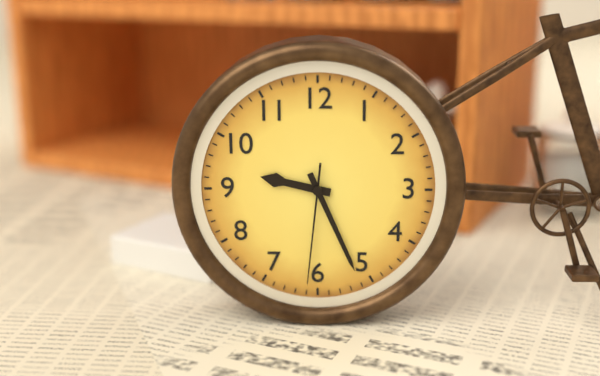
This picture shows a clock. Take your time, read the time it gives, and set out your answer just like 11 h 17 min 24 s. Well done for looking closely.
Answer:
9 h 26 min 31 s
